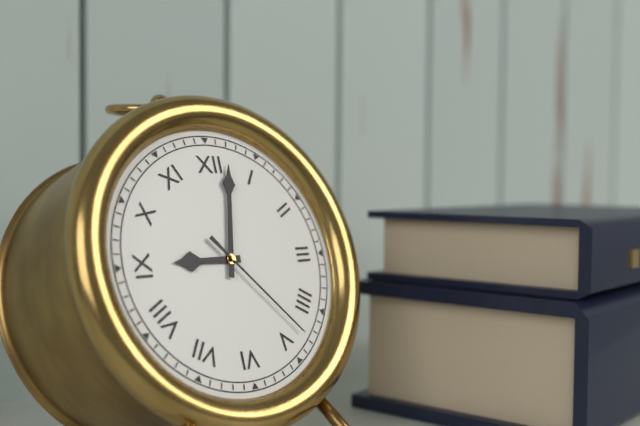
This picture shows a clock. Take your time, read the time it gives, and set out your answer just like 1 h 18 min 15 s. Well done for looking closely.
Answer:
9 h 02 min 23 s
